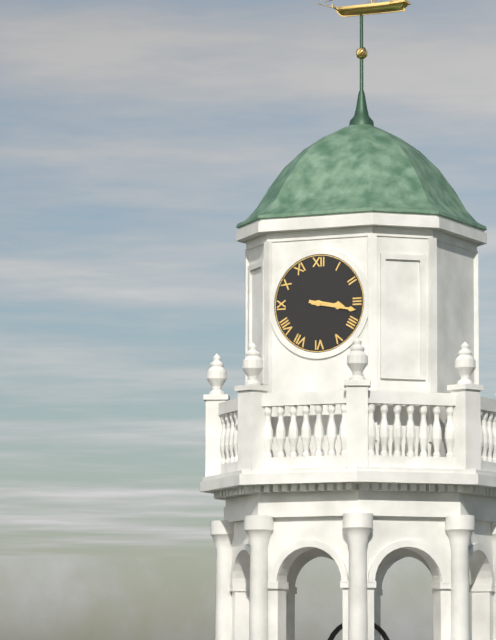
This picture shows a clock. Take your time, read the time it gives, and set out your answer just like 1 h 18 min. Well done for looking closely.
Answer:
3 h 17 min
